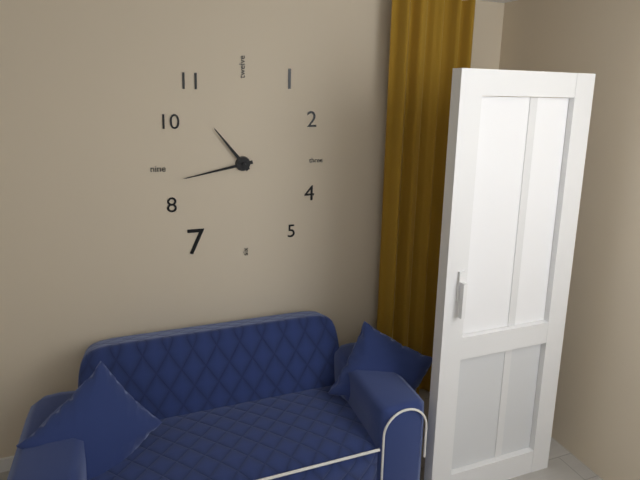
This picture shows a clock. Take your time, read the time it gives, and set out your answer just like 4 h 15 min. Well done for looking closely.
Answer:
10 h 43 min
